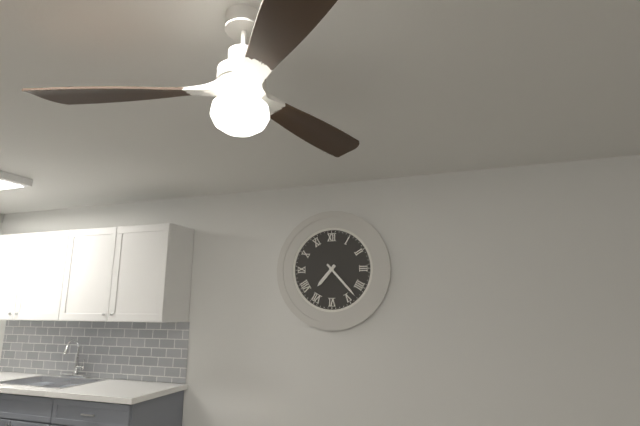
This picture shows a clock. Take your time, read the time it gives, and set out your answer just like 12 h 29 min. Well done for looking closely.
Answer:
7 h 23 min
